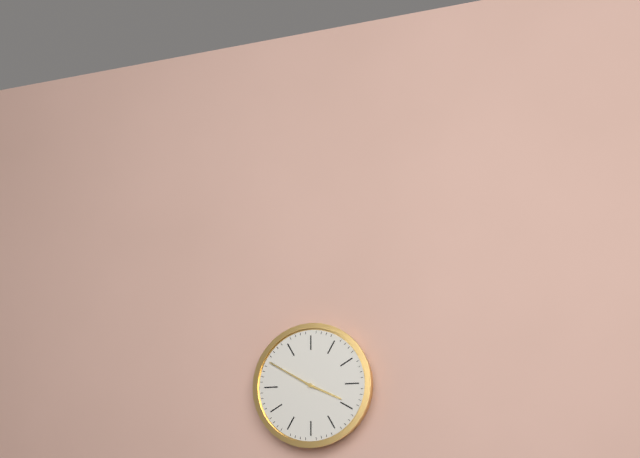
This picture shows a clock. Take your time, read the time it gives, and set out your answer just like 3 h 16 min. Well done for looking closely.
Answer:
3 h 50 min
